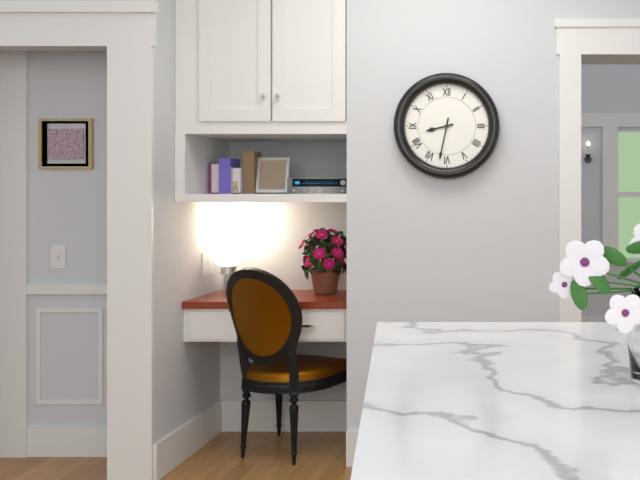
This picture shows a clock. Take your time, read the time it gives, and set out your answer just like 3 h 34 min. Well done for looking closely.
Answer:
8 h 32 min
